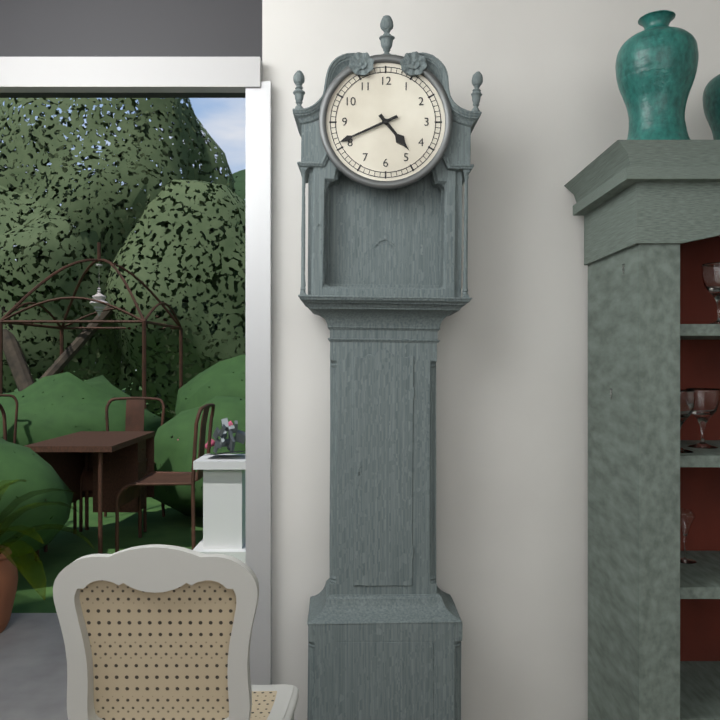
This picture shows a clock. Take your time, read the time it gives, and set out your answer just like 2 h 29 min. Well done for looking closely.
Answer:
4 h 41 min
